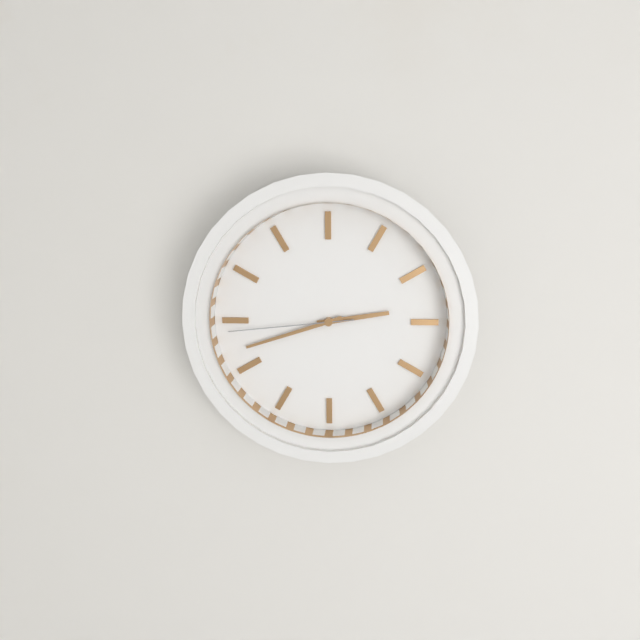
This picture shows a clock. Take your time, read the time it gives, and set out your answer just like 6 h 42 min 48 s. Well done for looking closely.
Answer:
2 h 42 min 44 s
